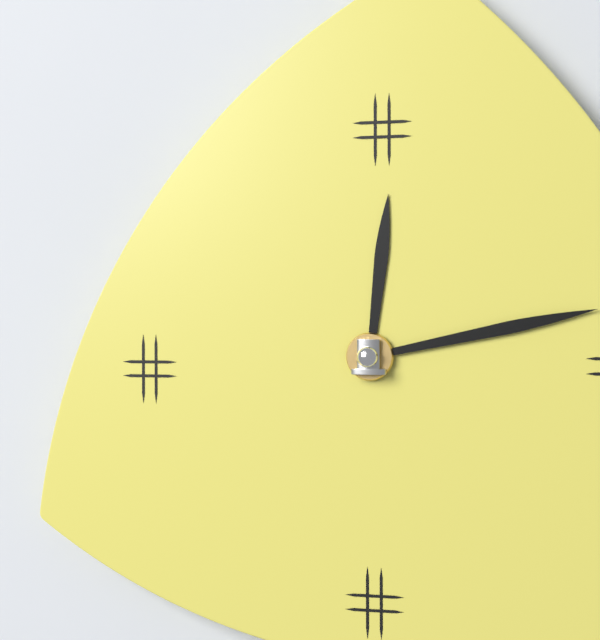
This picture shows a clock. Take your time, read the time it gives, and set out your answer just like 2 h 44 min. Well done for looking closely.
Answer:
12 h 13 min
